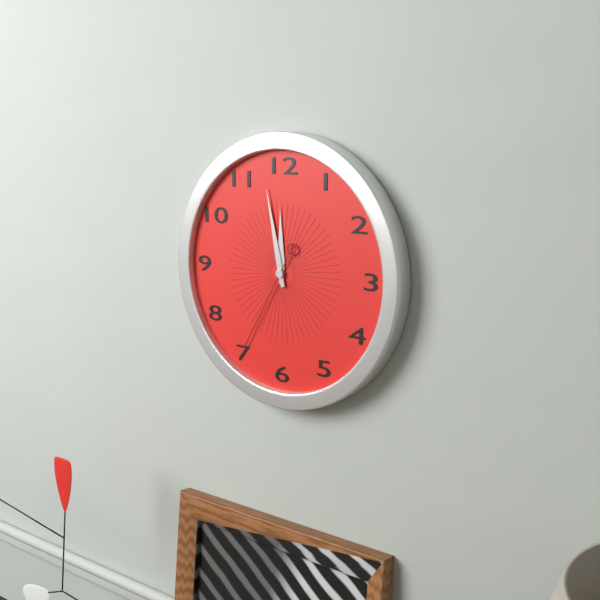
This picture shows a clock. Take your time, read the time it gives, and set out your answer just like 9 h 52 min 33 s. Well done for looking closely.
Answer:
11 h 58 min 35 s
